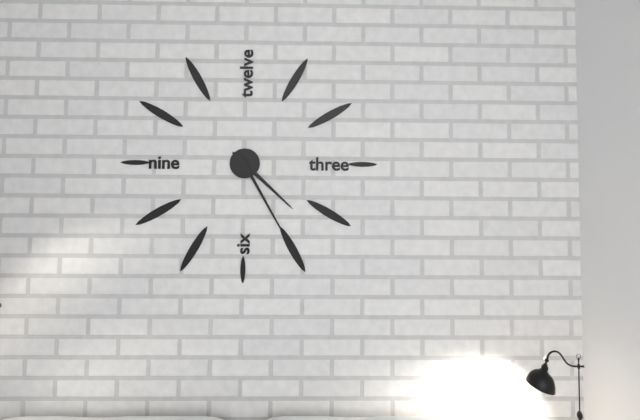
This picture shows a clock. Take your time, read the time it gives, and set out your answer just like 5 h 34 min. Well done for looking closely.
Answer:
4 h 25 min
